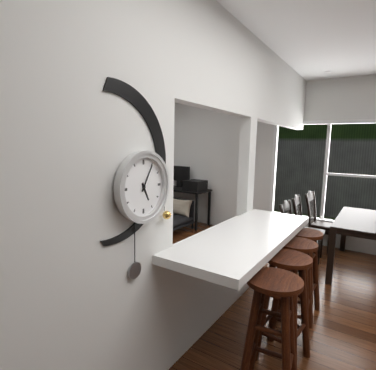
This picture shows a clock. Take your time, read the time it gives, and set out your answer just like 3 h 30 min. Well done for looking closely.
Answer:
5 h 05 min
